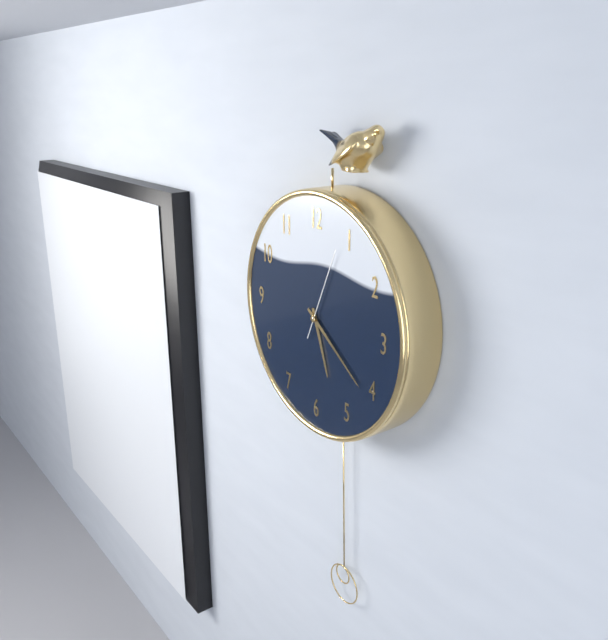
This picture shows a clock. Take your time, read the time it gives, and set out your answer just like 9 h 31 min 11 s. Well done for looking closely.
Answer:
5 h 21 min 04 s
